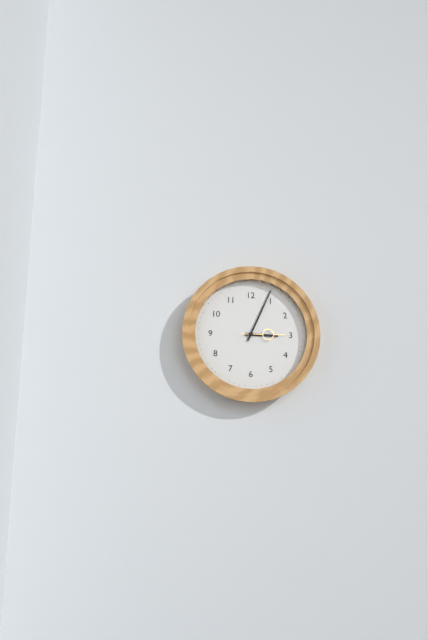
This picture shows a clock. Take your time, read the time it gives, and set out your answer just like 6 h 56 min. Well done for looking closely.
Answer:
3 h 04 min
